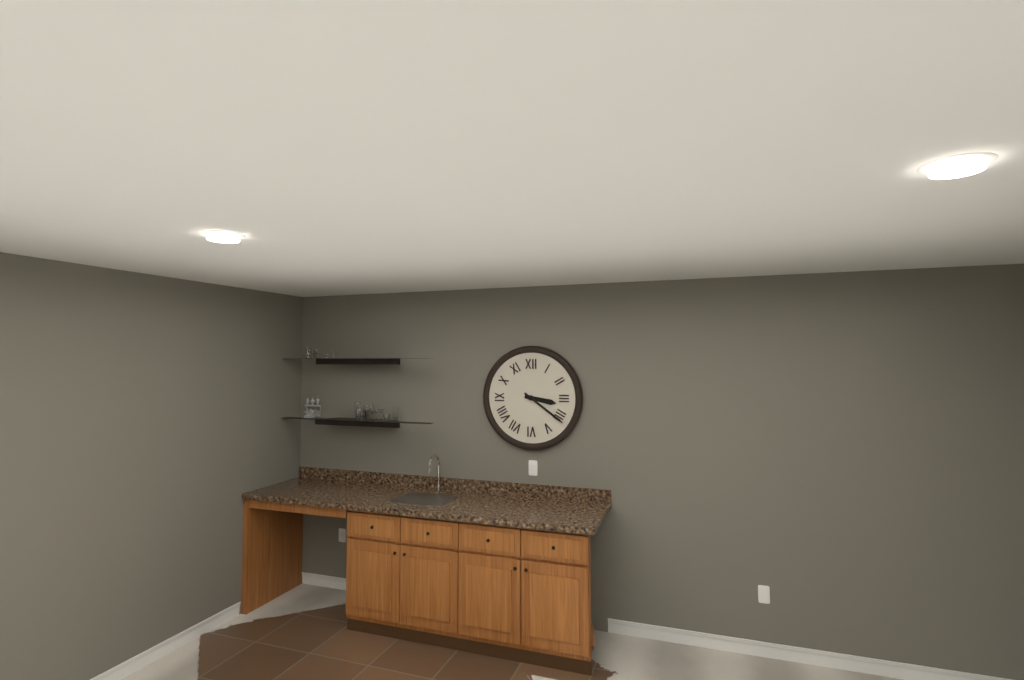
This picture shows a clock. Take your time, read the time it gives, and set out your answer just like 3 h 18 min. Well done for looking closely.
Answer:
3 h 21 min
